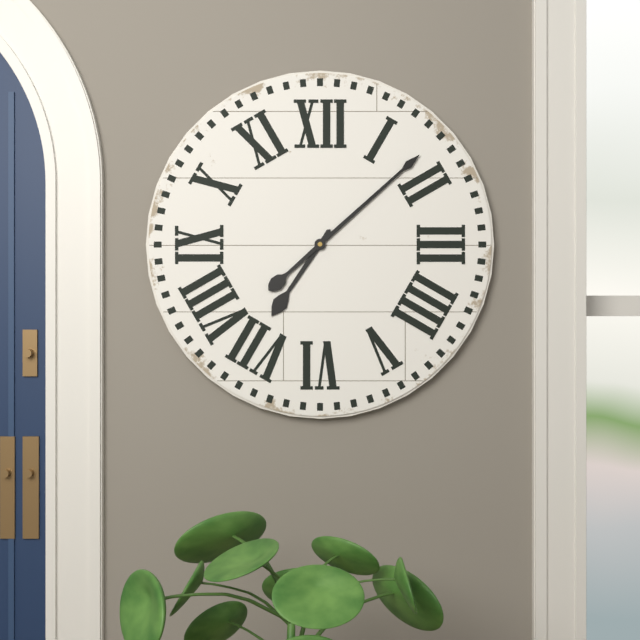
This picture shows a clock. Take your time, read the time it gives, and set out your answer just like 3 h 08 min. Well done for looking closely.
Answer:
7 h 08 min
